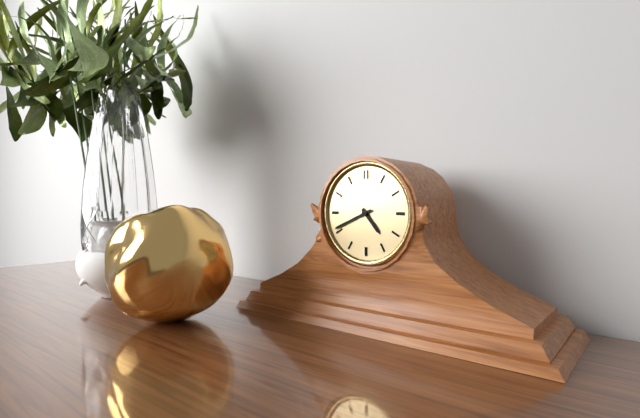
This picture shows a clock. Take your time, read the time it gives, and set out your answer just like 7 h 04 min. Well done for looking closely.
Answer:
4 h 41 min
